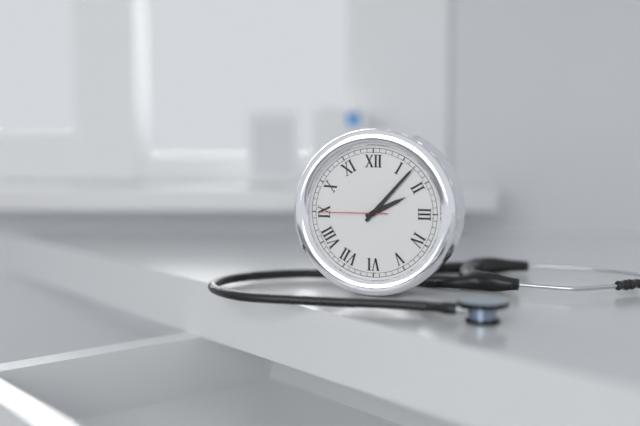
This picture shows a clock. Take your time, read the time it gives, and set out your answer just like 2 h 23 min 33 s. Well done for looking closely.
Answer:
2 h 07 min 45 s
